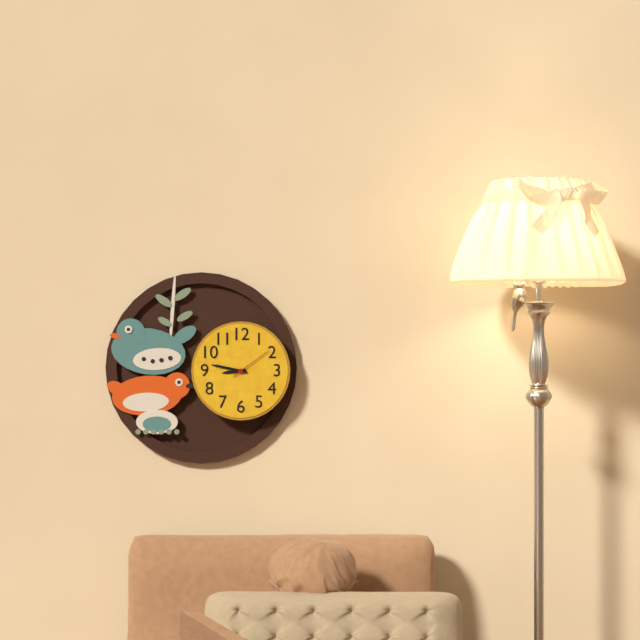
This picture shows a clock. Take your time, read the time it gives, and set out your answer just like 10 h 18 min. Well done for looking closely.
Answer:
8 h 47 min
